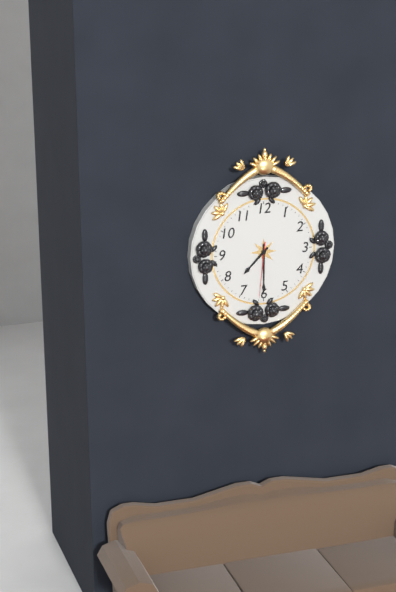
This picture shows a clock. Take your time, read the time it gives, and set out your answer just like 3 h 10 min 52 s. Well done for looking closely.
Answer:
7 h 30 min 31 s
